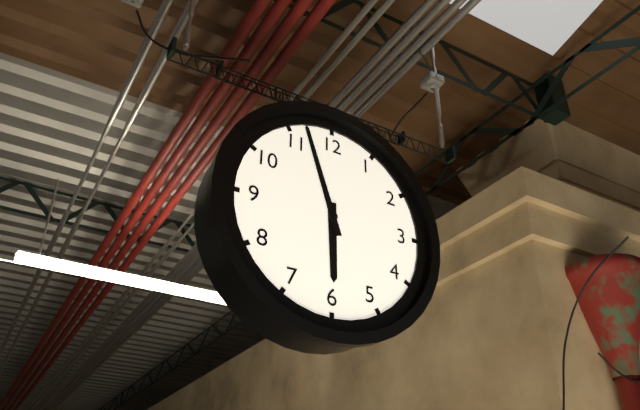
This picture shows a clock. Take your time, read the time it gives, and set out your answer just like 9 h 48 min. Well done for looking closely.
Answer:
5 h 57 min
